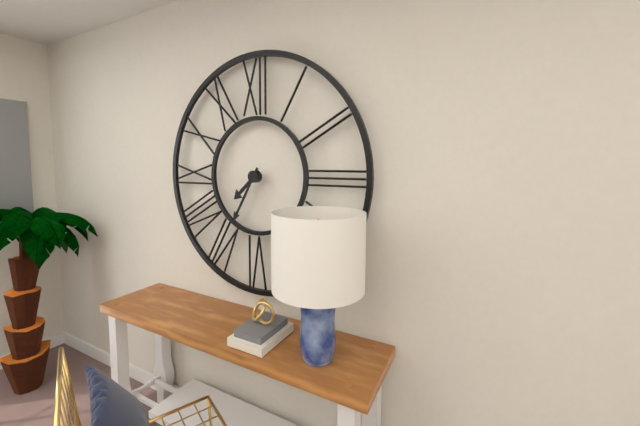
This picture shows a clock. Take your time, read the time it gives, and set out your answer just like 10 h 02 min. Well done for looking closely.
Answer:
7 h 35 min
